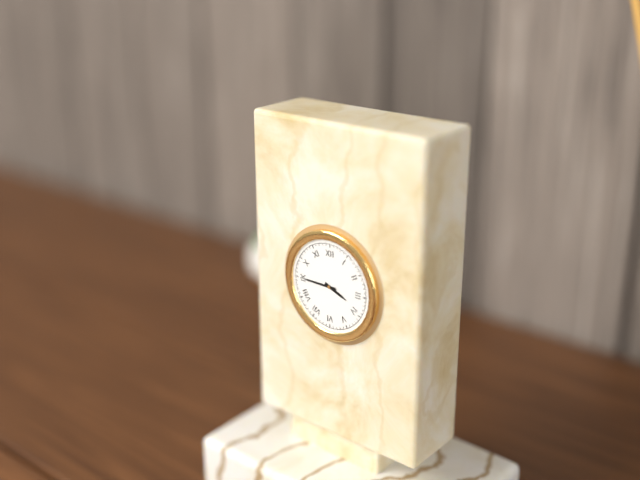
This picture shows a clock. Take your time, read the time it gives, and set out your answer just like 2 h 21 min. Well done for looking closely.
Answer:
3 h 45 min
